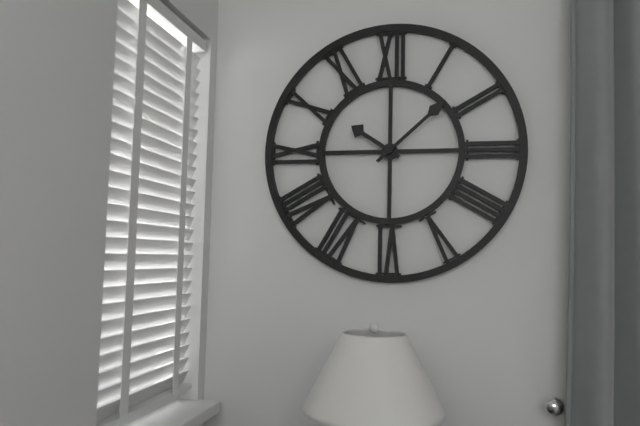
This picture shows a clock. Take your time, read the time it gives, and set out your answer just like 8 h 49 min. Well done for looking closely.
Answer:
10 h 08 min
